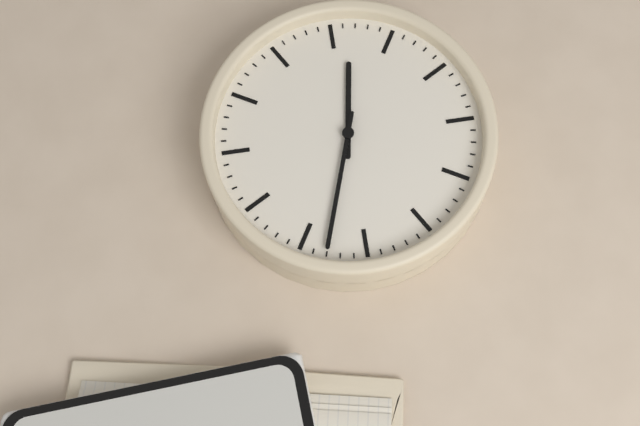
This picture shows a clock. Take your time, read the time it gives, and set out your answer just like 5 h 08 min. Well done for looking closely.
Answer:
9 h 18 min
